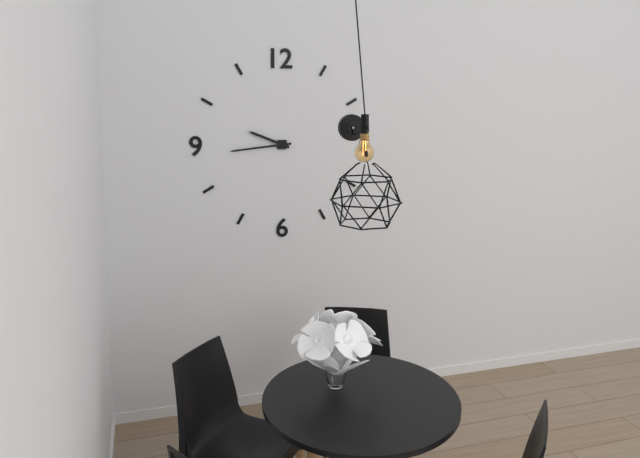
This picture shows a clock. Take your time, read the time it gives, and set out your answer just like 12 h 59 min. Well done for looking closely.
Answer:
9 h 44 min
